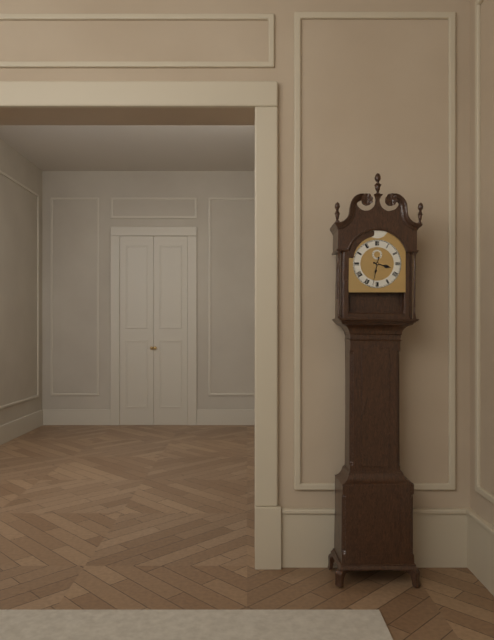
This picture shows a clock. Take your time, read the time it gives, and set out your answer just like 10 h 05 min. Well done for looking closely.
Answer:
3 h 32 min
